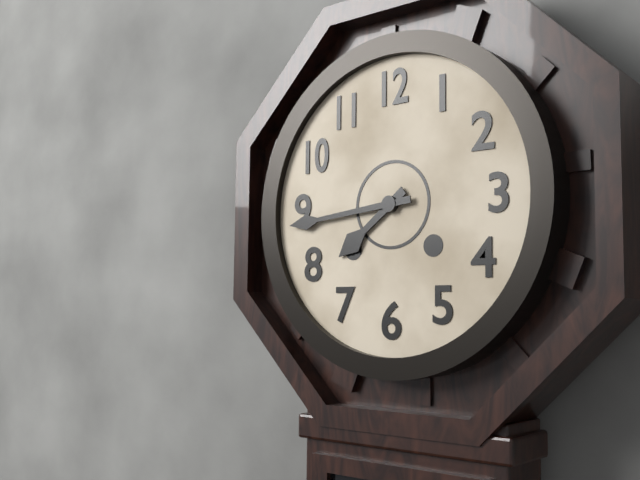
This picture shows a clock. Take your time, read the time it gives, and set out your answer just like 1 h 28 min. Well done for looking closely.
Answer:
7 h 44 min
